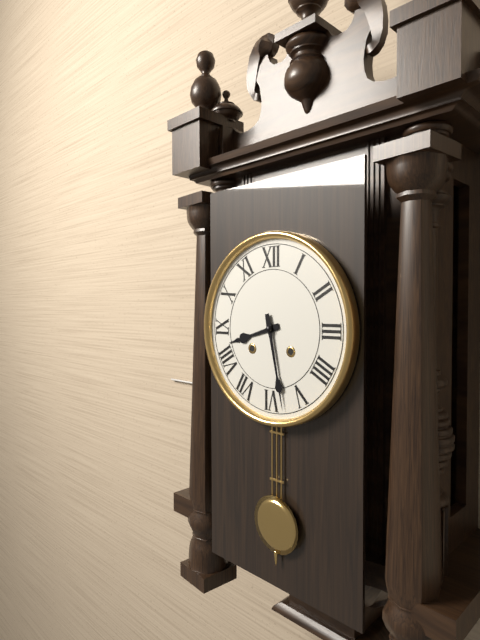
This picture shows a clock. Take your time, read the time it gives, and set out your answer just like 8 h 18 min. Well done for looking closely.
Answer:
8 h 28 min
